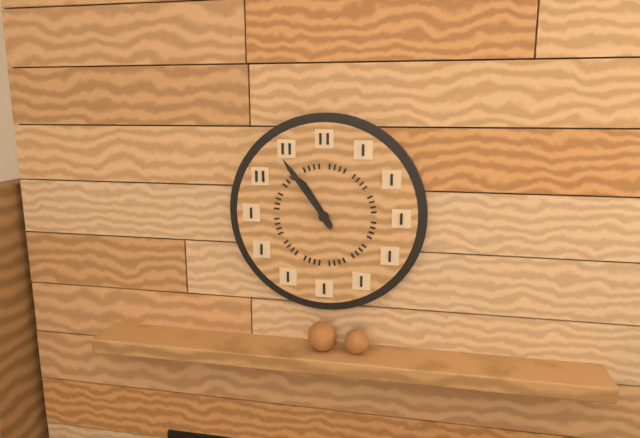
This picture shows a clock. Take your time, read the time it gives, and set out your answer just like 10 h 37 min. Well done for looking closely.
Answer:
10 h 54 min
